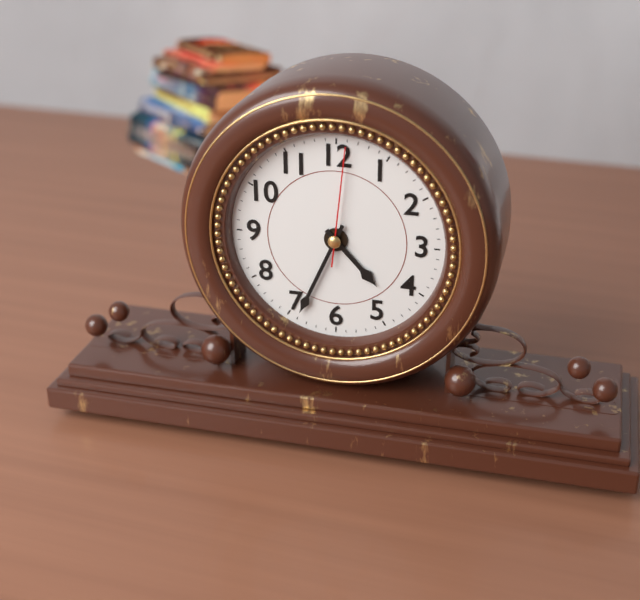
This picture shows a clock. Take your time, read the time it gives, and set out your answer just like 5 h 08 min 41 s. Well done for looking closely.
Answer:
4 h 34 min 01 s
